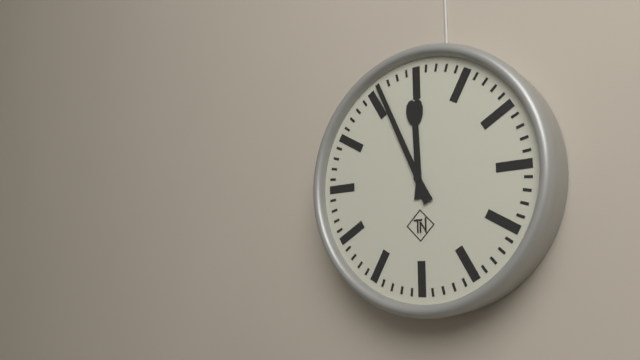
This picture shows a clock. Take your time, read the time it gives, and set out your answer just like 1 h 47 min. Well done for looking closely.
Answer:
11 h 56 min
